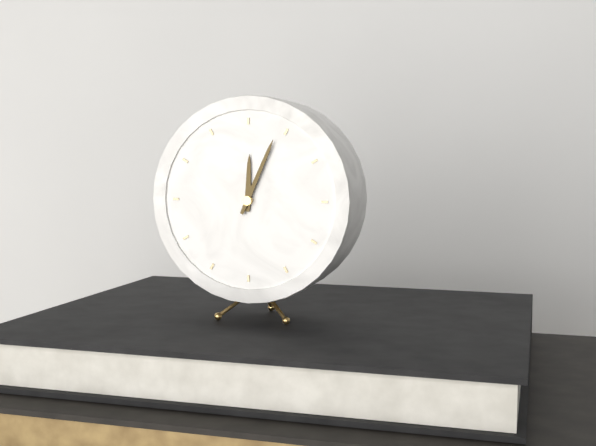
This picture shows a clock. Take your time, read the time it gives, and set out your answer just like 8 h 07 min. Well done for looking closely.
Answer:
12 h 04 min
